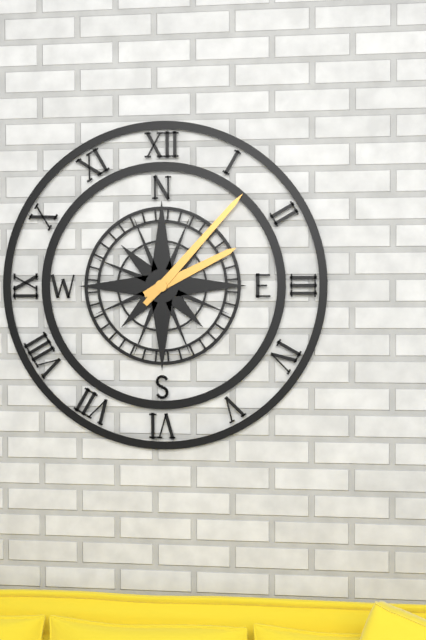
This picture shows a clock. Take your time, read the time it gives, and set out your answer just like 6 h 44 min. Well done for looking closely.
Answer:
2 h 07 min
